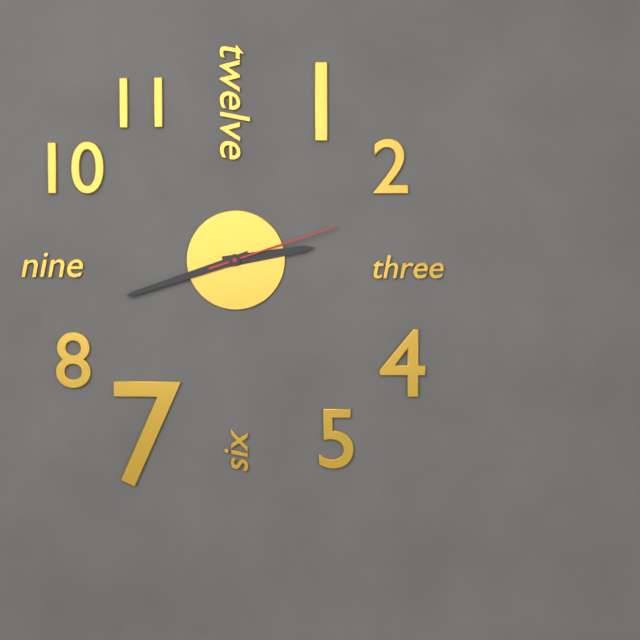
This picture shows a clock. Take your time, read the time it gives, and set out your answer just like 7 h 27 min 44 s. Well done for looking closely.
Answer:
2 h 42 min 12 s
